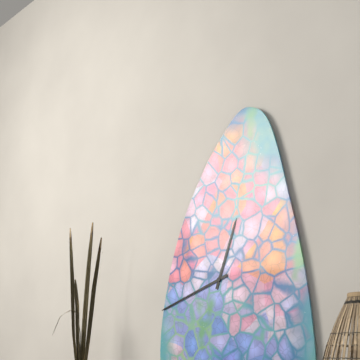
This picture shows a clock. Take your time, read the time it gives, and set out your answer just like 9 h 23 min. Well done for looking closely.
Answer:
12 h 42 min
